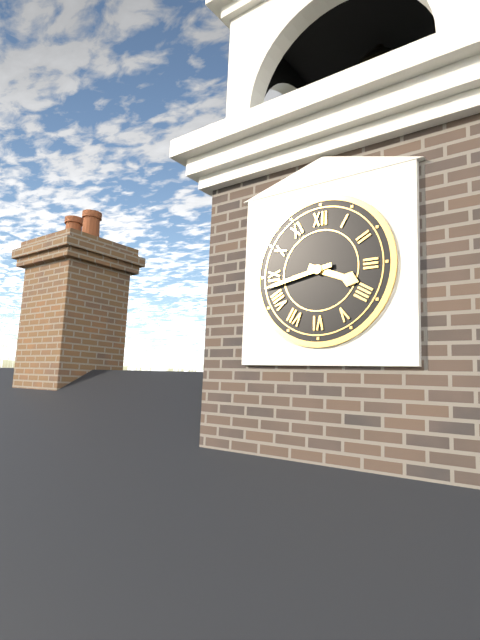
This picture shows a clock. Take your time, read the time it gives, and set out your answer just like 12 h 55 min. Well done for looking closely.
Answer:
3 h 43 min
